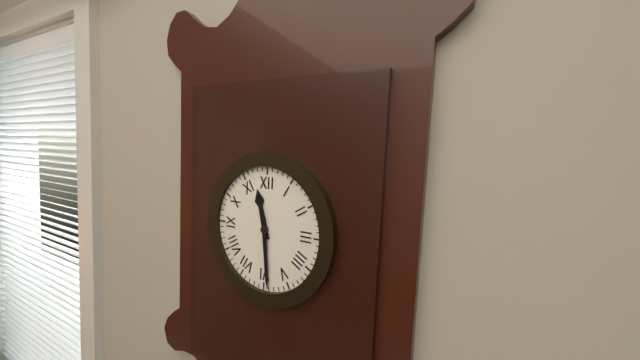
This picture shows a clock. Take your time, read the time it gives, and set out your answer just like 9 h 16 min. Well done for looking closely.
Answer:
11 h 29 min
